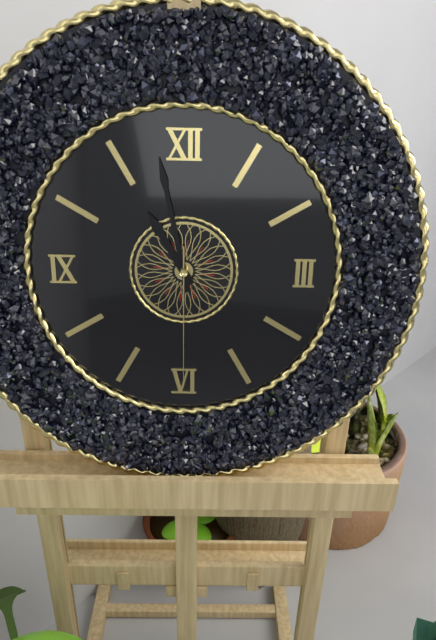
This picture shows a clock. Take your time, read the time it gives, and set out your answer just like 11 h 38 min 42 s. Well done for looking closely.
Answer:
10 h 58 min 30 s
